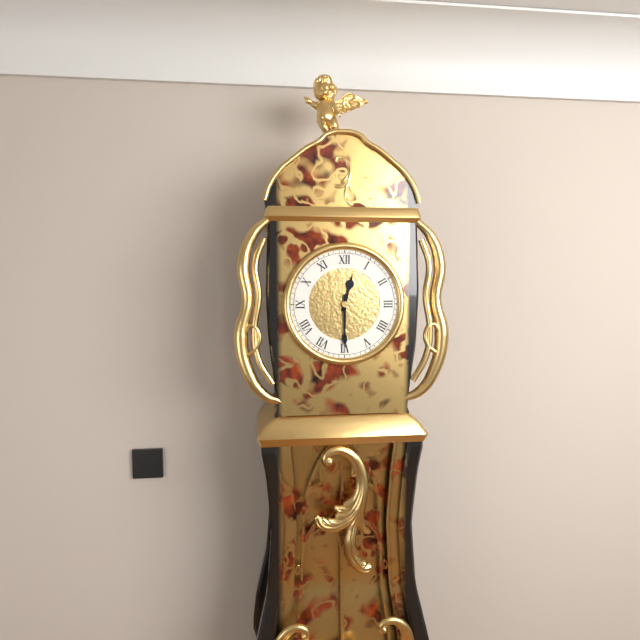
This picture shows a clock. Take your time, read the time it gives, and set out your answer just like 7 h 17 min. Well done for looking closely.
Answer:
12 h 30 min
